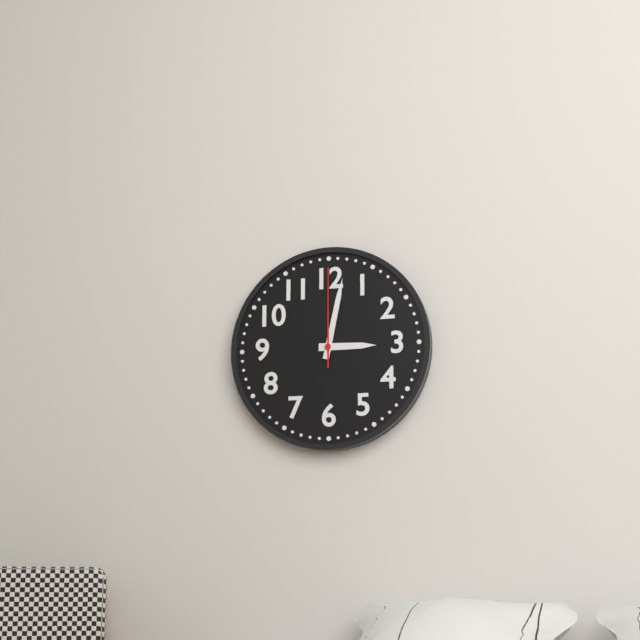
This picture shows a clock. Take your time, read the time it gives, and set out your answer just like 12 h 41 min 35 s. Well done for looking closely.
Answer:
3 h 02 min 00 s
